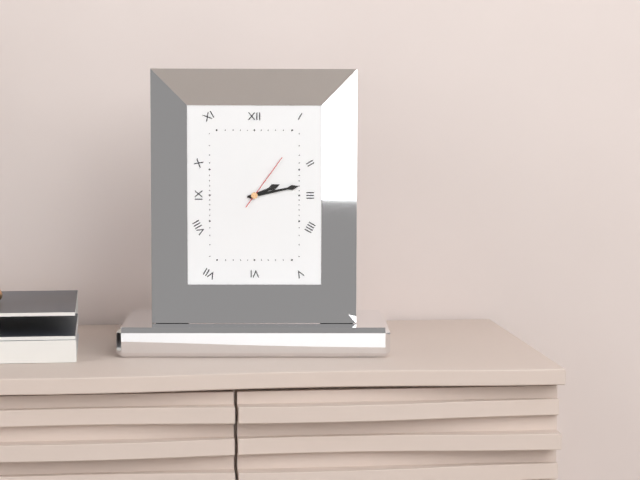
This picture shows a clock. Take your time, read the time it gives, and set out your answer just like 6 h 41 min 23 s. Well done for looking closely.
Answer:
2 h 13 min 06 s
